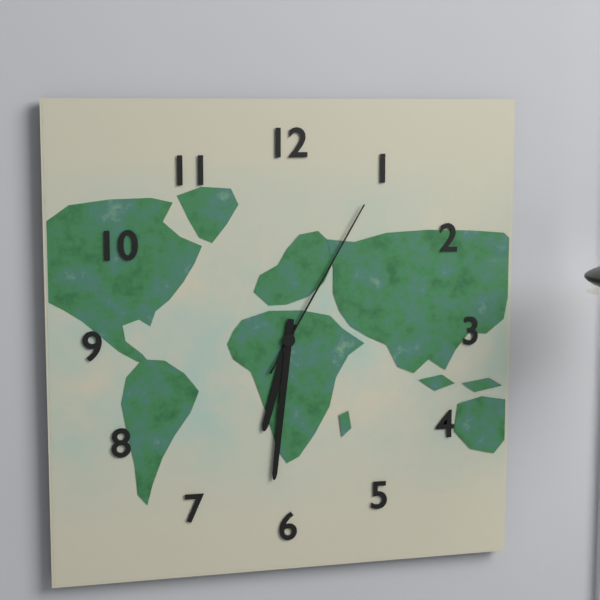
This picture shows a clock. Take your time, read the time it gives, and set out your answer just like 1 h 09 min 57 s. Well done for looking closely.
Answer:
6 h 31 min 05 s
